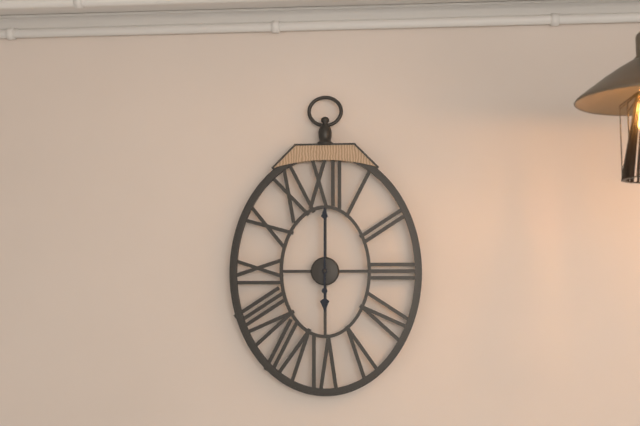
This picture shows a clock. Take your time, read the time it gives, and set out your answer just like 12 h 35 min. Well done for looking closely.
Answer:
6 h 00 min
